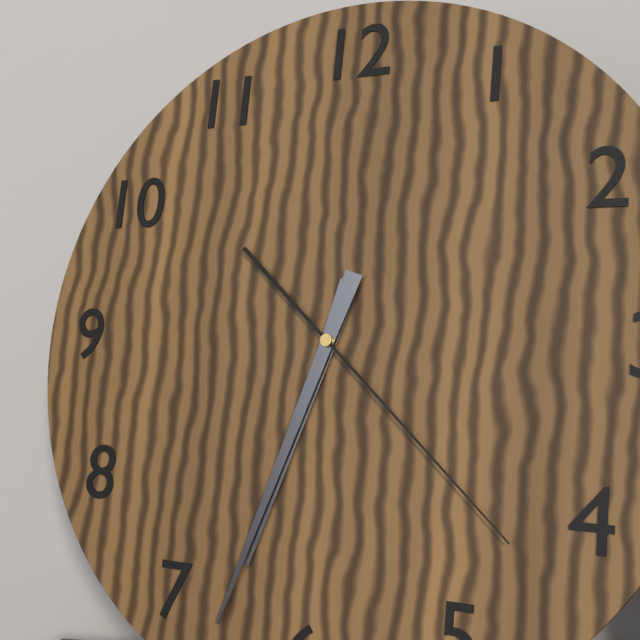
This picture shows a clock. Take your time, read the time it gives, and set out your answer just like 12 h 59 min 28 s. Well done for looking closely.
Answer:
6 h 33 min 22 s
